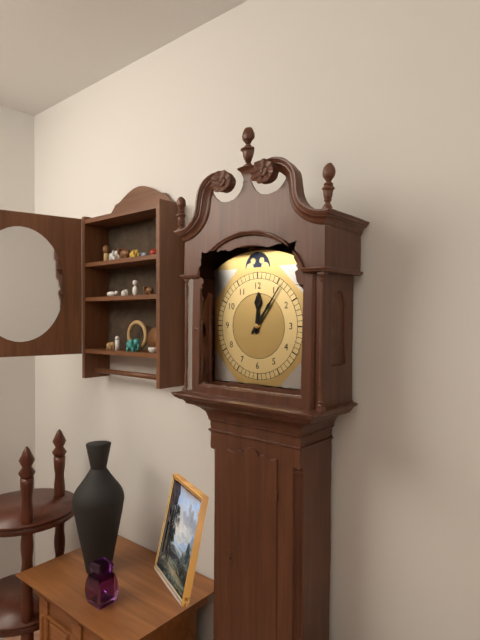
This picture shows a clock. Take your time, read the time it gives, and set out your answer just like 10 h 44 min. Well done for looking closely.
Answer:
12 h 06 min
